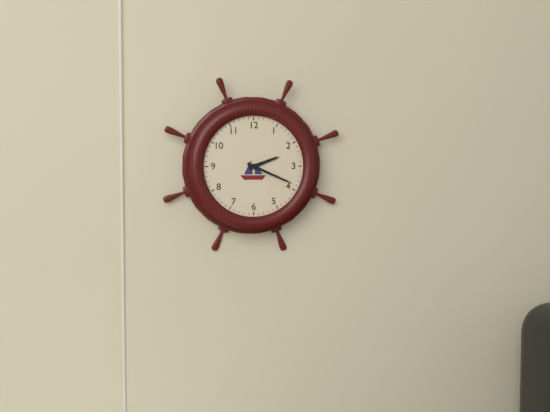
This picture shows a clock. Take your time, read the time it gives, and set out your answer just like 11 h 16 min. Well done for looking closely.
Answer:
2 h 19 min
